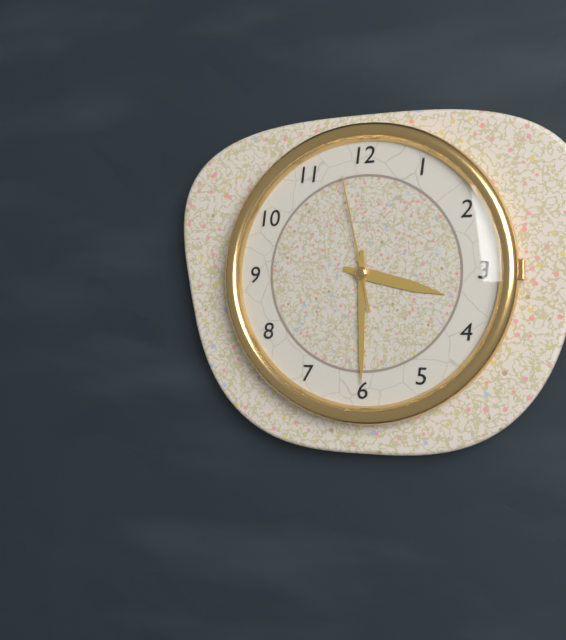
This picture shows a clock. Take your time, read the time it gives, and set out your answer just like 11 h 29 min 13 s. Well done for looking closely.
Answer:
3 h 30 min 58 s
